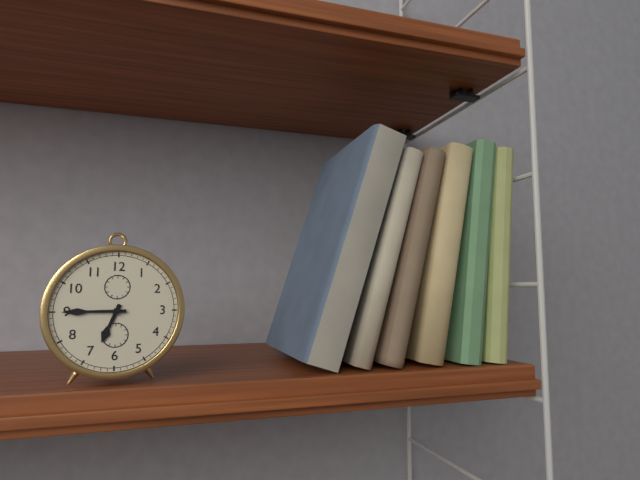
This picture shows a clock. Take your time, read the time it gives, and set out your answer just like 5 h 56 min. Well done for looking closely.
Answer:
6 h 45 min
